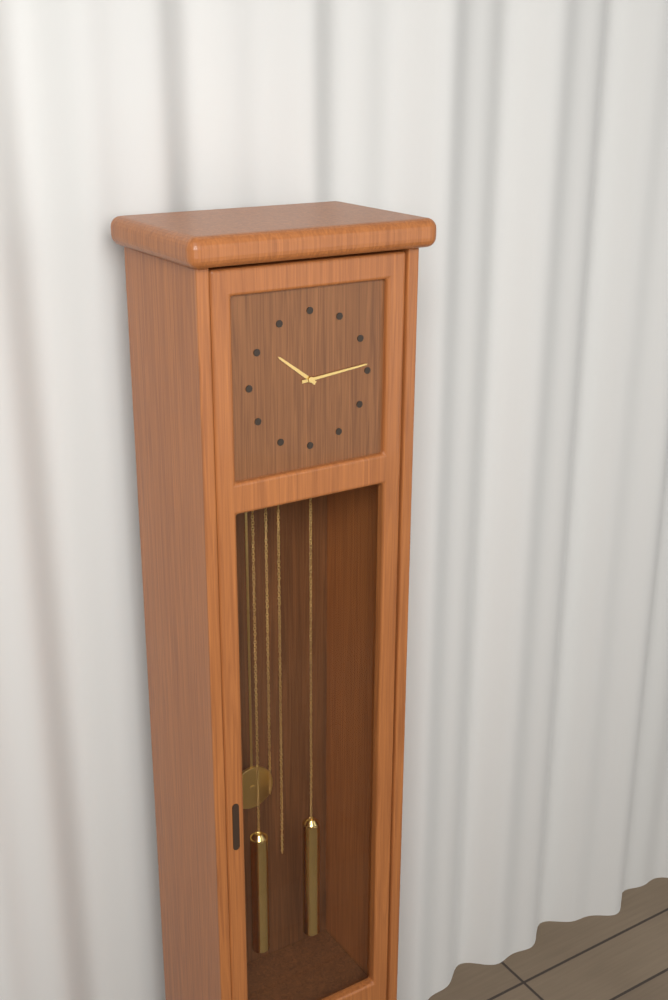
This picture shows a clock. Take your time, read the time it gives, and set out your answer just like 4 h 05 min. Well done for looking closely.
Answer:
10 h 14 min
